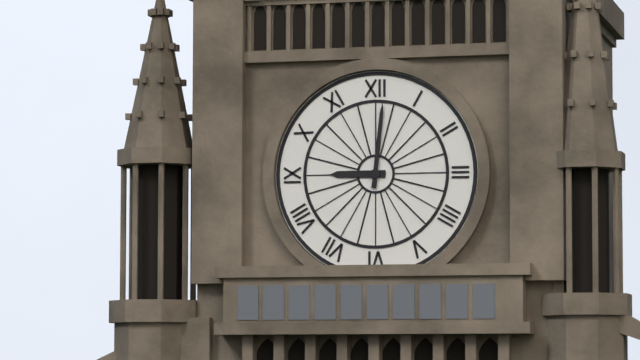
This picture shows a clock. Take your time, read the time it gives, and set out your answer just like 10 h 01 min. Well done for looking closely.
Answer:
9 h 01 min
